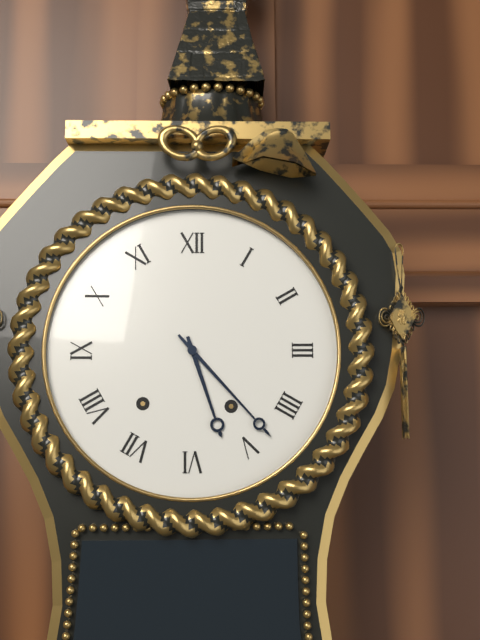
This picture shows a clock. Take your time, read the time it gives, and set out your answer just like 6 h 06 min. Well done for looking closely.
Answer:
5 h 23 min
